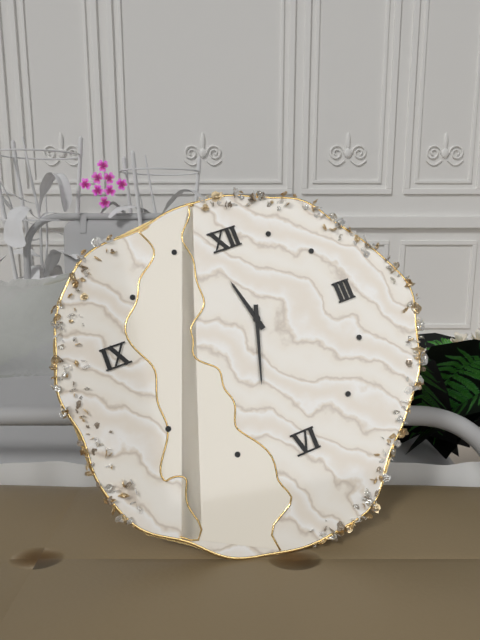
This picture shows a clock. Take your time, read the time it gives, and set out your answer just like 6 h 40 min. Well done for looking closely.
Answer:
11 h 33 min
